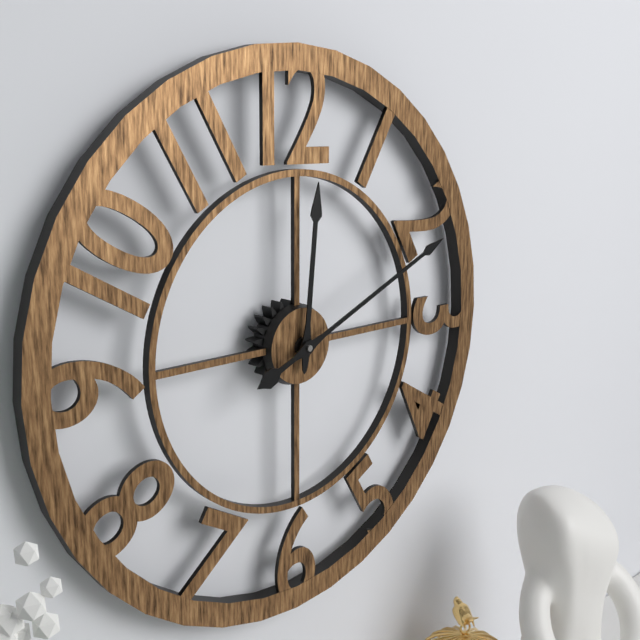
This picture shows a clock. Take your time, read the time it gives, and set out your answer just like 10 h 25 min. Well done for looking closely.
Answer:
12 h 11 min
